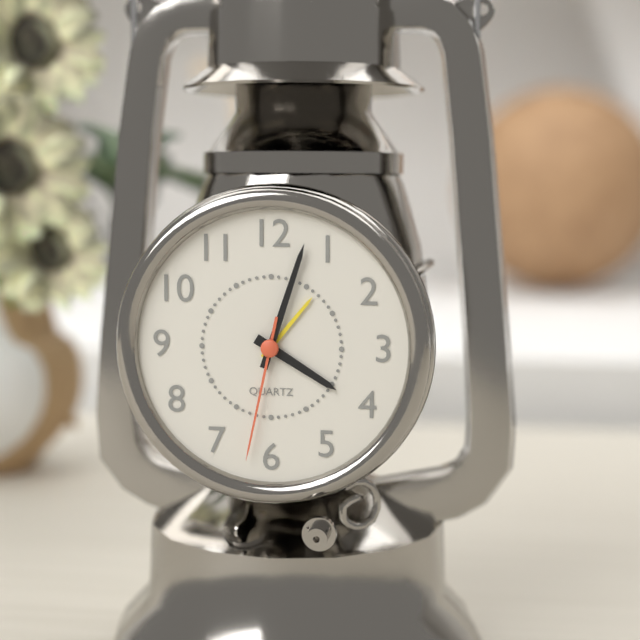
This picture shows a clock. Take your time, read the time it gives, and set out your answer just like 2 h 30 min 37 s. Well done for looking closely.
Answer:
4 h 03 min 32 s
